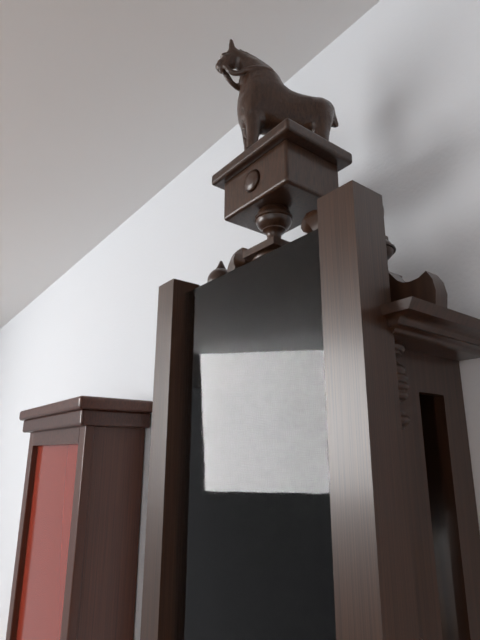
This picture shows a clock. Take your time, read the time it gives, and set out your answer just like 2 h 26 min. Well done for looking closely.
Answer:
8 h 20 min
